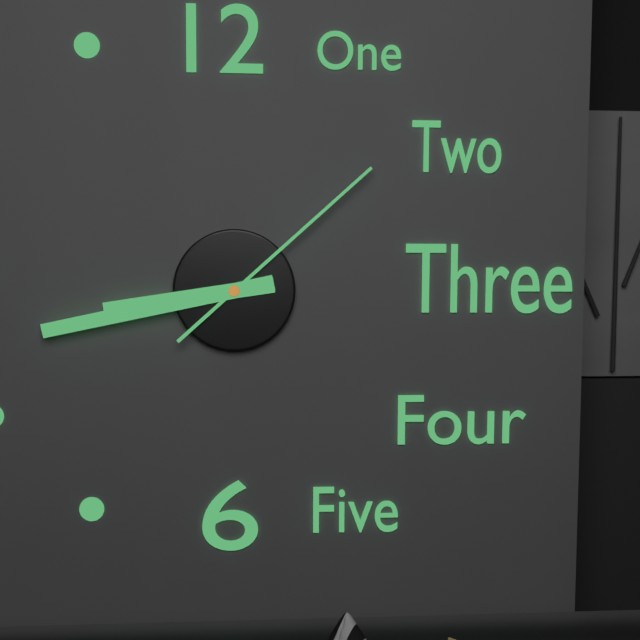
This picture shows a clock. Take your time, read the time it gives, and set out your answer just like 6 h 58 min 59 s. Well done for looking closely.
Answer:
8 h 43 min 08 s
